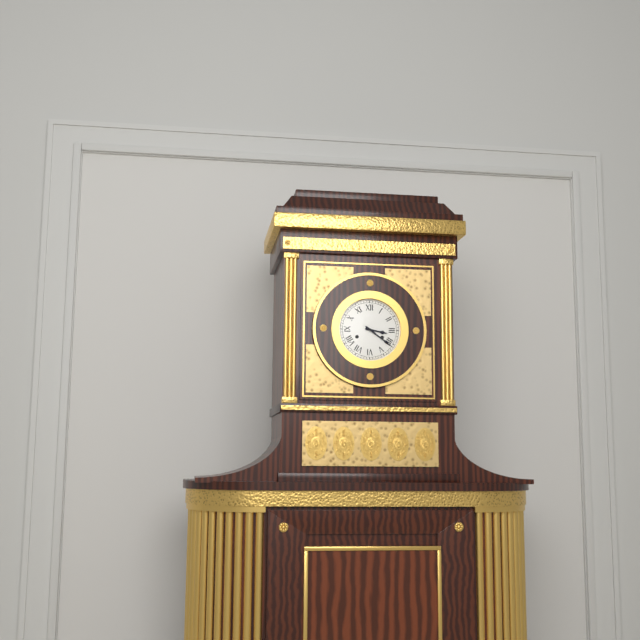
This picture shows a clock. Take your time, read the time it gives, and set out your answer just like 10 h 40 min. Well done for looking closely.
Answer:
3 h 21 min
